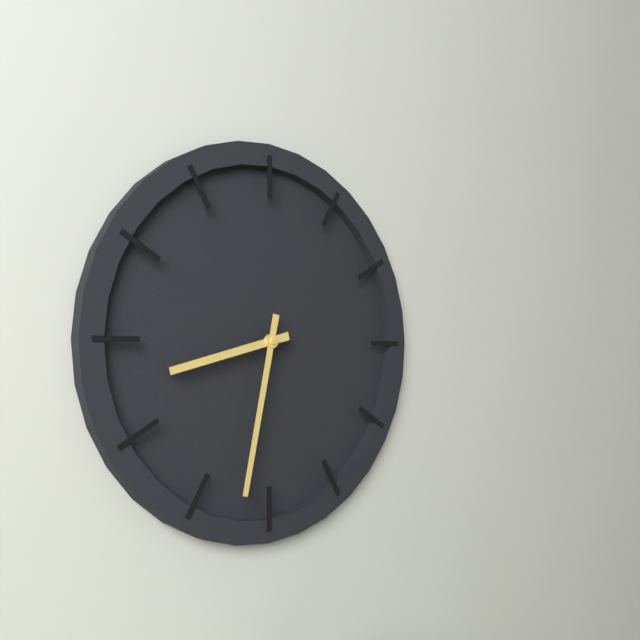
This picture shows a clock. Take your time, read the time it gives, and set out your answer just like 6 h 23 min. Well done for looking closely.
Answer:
8 h 32 min
